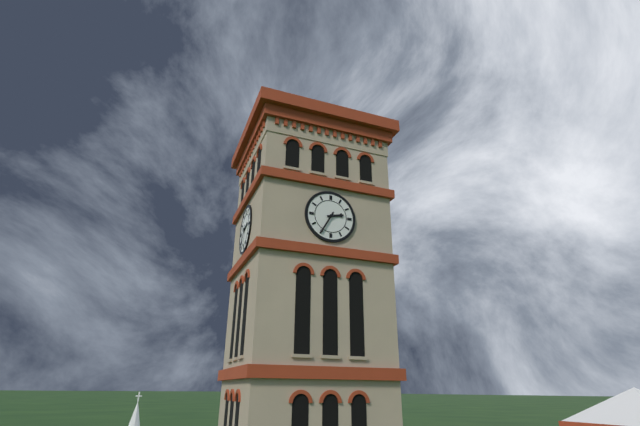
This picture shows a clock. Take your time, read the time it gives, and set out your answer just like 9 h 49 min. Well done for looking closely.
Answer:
2 h 35 min
